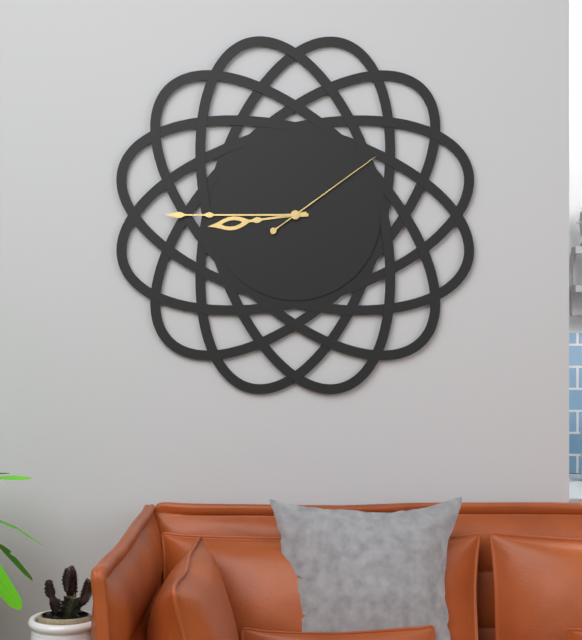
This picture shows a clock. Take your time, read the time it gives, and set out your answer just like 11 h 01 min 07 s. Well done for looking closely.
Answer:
8 h 45 min 09 s
